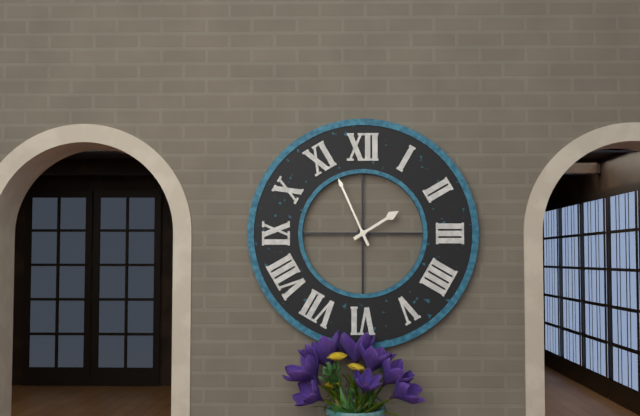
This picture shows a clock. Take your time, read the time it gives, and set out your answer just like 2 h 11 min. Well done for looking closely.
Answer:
1 h 56 min
